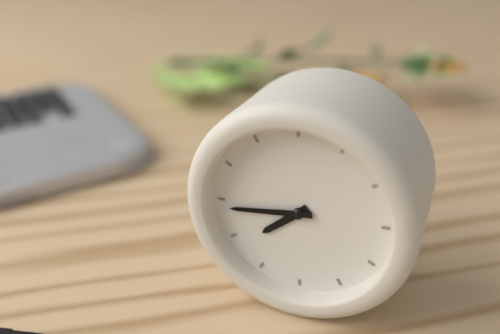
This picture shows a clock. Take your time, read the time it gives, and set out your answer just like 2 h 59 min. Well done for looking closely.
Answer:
7 h 44 min
